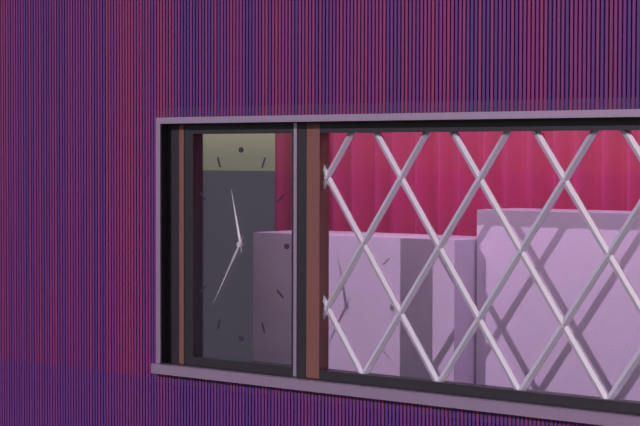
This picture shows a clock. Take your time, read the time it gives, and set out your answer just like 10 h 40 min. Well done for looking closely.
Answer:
11 h 35 min
